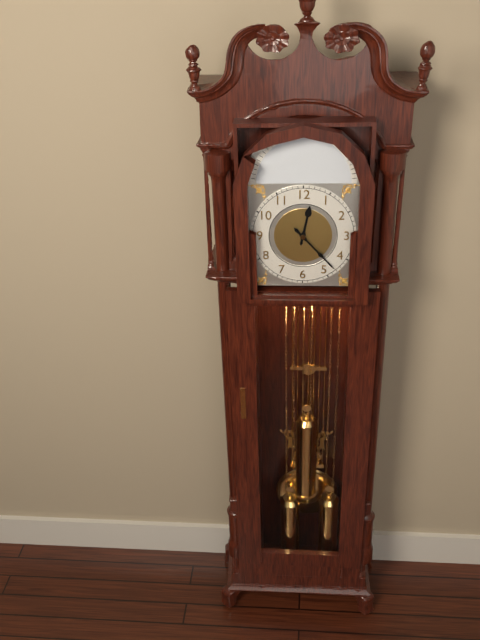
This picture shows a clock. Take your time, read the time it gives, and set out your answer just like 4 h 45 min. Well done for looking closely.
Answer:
12 h 23 min
